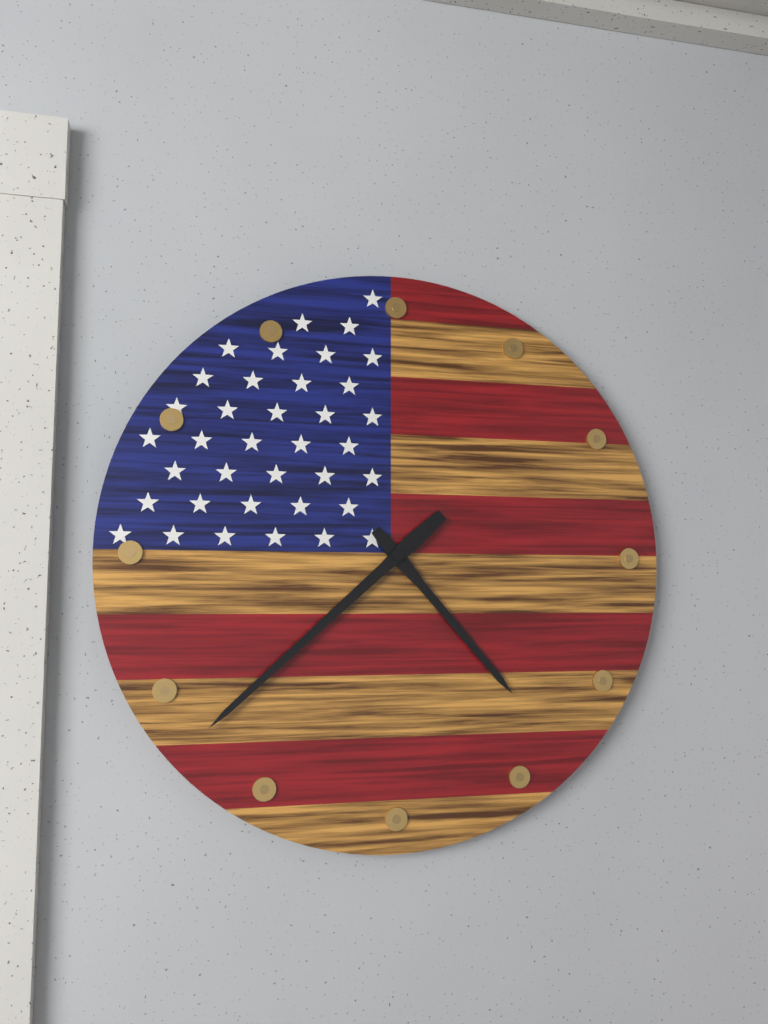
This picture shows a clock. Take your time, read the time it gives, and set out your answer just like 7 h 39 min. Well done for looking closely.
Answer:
4 h 38 min
